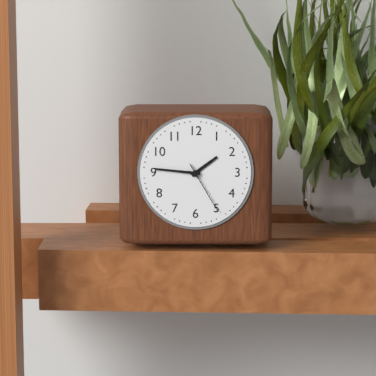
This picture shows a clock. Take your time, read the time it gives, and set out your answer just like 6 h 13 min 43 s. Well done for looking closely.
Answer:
1 h 46 min 25 s
